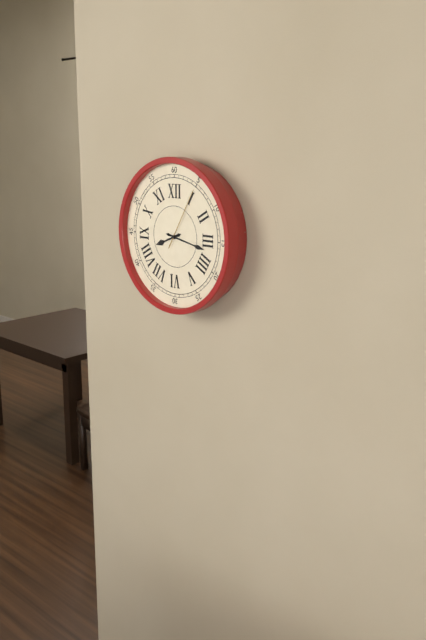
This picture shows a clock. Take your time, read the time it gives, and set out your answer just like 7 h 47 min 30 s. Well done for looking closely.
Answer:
8 h 17 min 05 s
